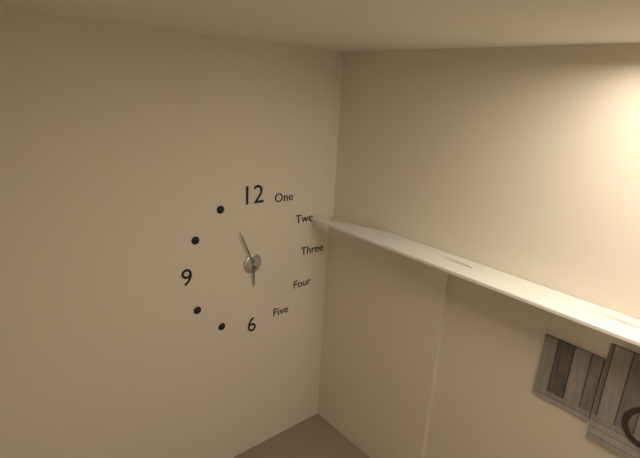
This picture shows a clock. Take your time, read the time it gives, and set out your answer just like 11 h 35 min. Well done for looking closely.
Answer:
5 h 56 min
